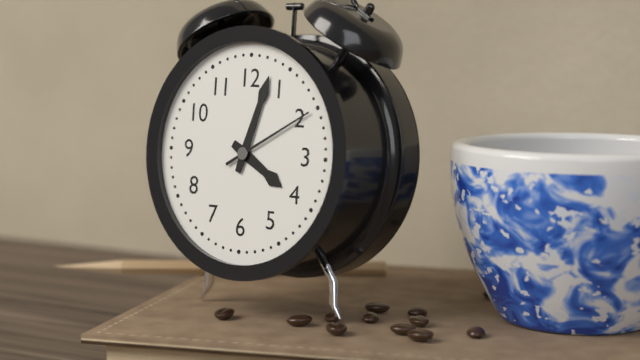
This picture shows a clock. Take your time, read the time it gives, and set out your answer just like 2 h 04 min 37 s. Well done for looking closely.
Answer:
4 h 03 min 10 s
